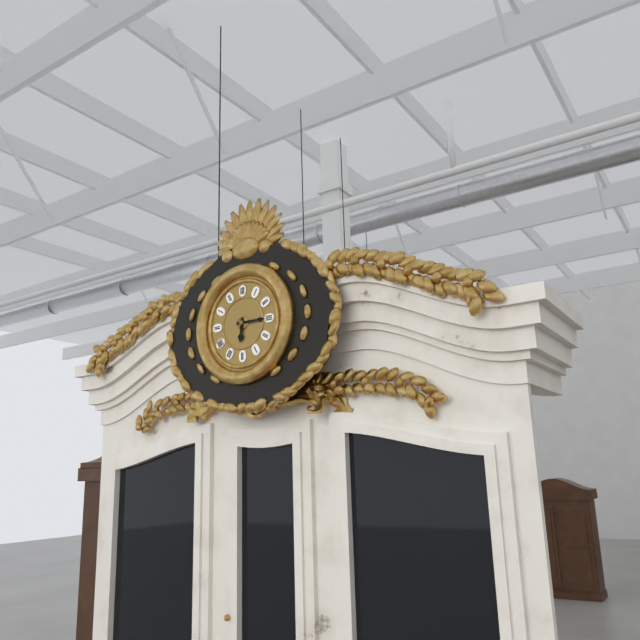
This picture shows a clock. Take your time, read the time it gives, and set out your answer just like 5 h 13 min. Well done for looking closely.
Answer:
6 h 15 min
